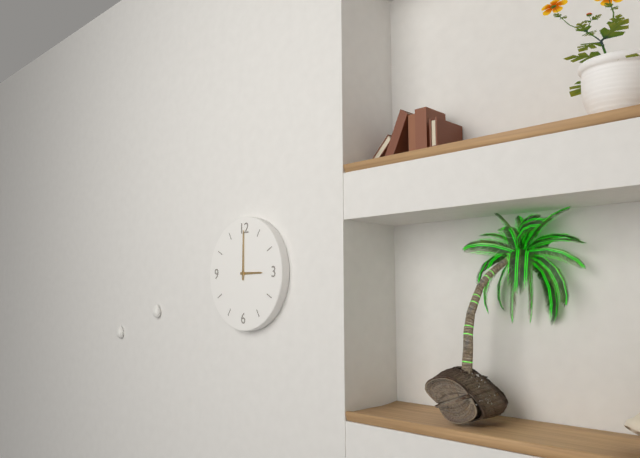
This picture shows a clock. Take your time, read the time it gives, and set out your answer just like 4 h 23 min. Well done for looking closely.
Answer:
3 h 00 min
